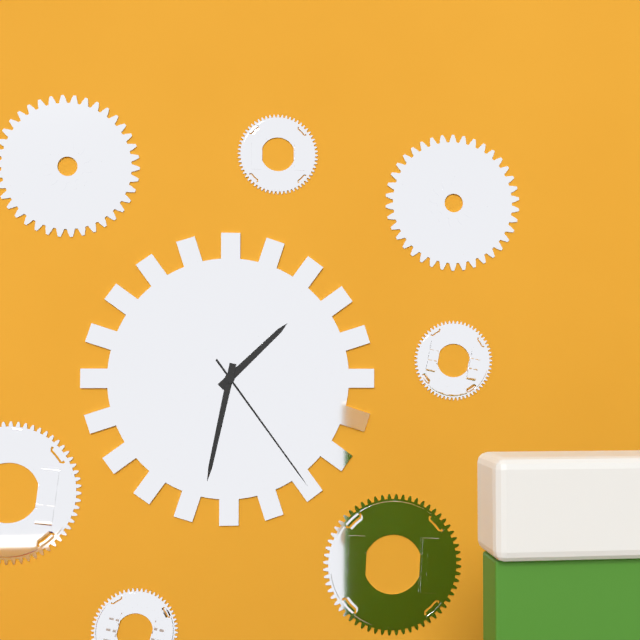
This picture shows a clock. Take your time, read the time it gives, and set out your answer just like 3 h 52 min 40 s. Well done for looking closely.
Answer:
1 h 32 min 24 s
